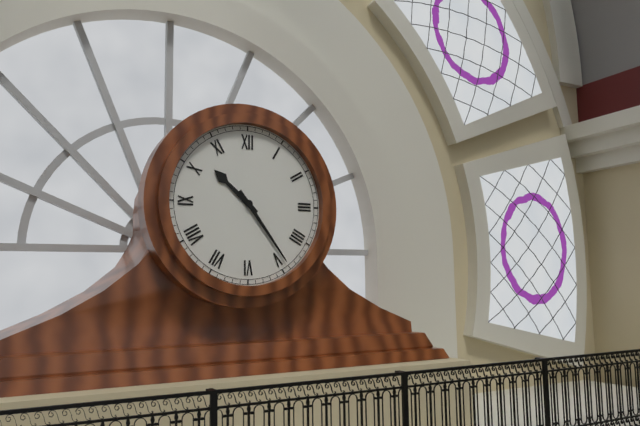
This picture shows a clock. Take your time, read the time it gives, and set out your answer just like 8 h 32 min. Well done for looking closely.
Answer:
10 h 24 min
